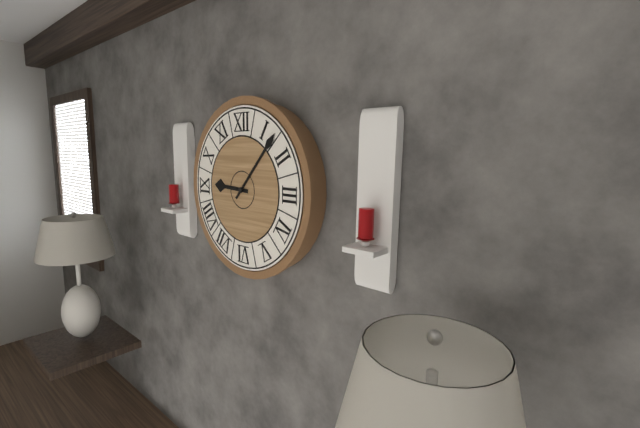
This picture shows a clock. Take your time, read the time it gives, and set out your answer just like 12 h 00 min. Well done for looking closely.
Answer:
9 h 07 min
